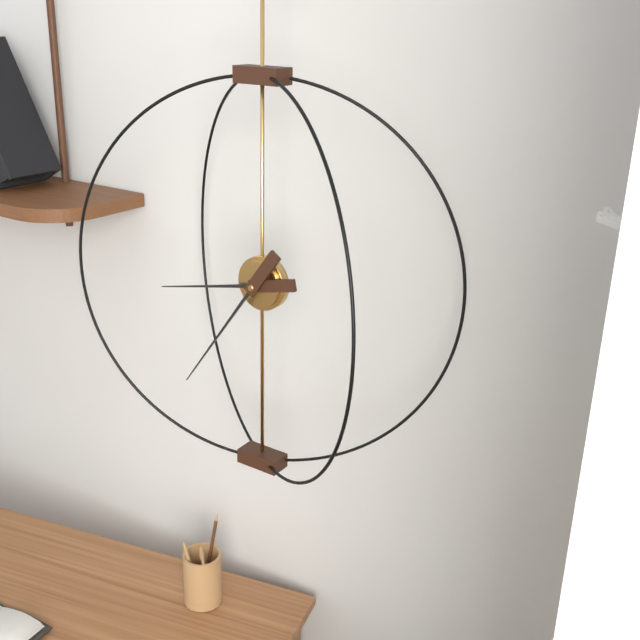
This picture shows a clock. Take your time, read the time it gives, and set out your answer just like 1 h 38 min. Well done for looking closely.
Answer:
8 h 36 min
